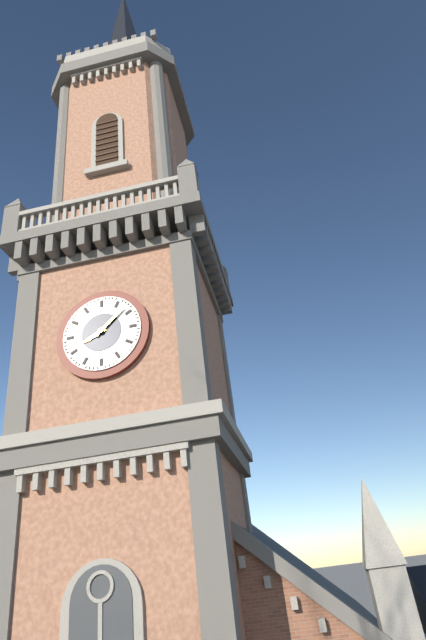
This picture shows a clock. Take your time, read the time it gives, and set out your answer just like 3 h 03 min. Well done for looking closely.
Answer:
8 h 08 min
